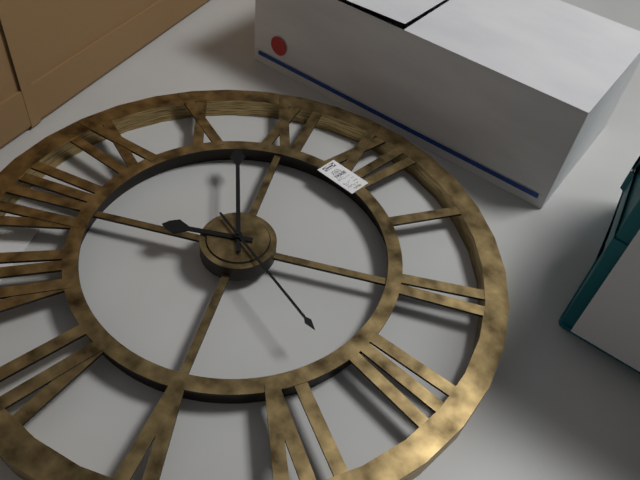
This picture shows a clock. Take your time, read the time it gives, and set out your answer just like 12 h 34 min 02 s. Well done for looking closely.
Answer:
7 h 52 min 17 s
